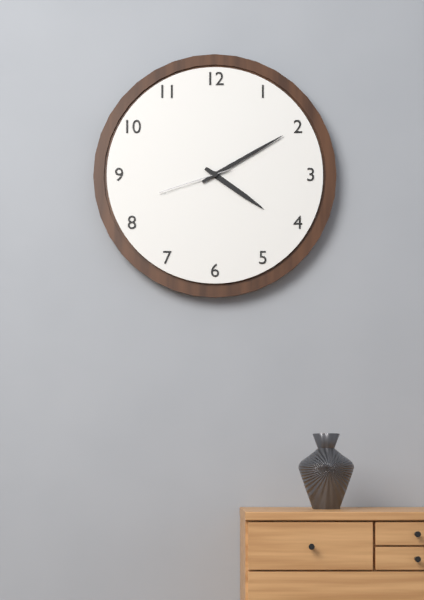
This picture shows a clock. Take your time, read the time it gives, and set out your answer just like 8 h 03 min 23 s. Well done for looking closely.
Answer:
4 h 10 min 42 s
